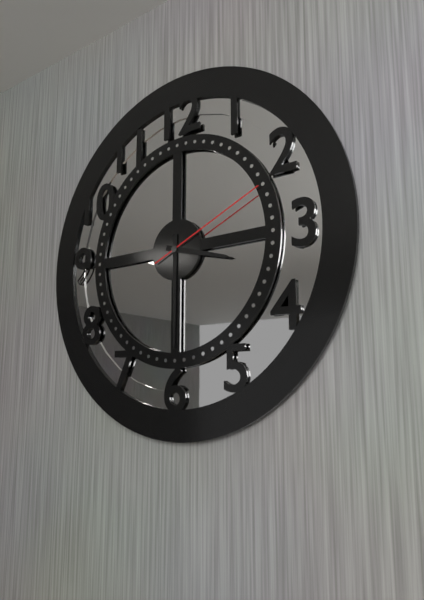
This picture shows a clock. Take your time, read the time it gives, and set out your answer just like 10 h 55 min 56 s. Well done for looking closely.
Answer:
3 h 30 min 11 s
